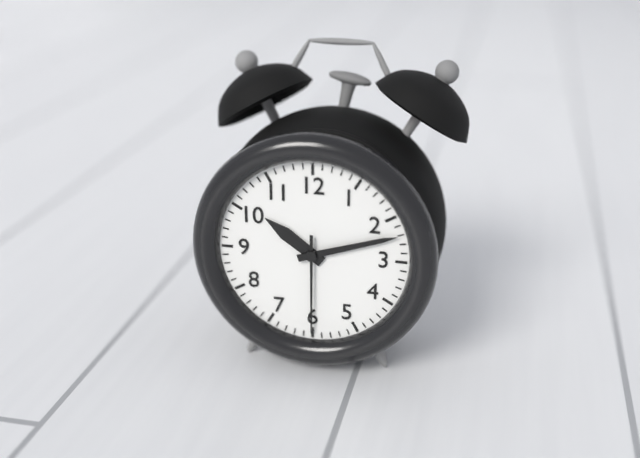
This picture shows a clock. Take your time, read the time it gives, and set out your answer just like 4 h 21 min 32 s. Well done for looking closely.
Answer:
10 h 12 min 30 s
